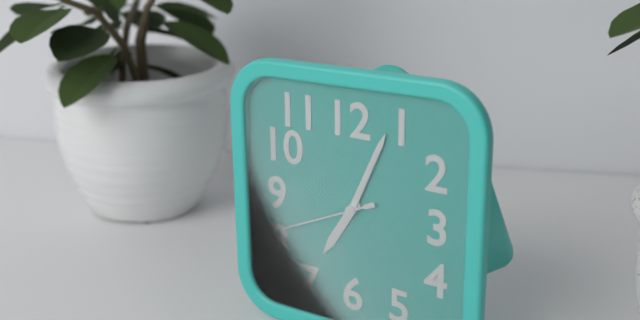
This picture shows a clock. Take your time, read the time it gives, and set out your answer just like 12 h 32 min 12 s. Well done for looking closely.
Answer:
7 h 04 min 41 s
